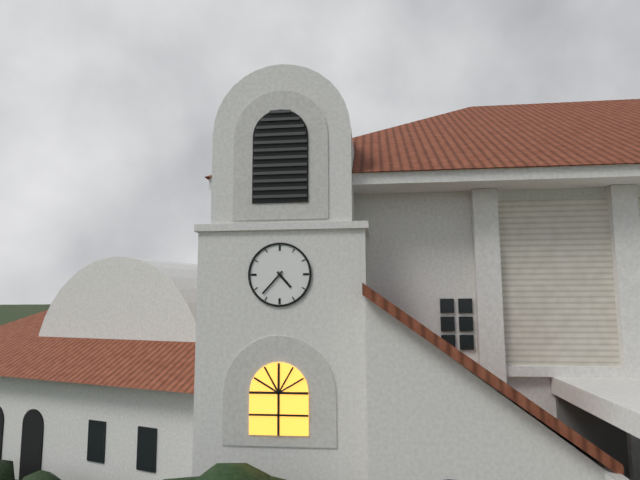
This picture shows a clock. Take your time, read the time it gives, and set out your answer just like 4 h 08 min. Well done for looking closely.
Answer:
4 h 37 min
